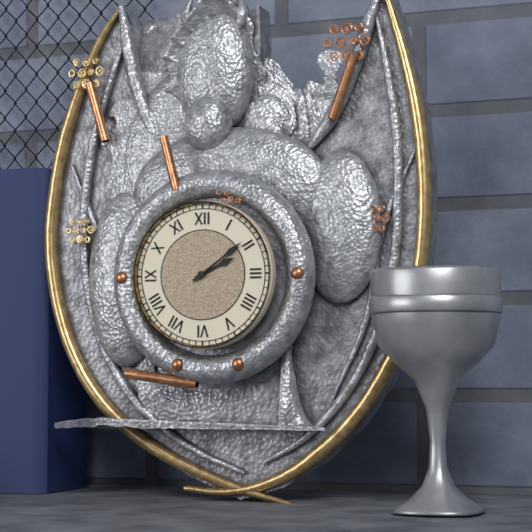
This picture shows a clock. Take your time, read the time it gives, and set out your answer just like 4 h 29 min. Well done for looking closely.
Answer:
2 h 09 min
